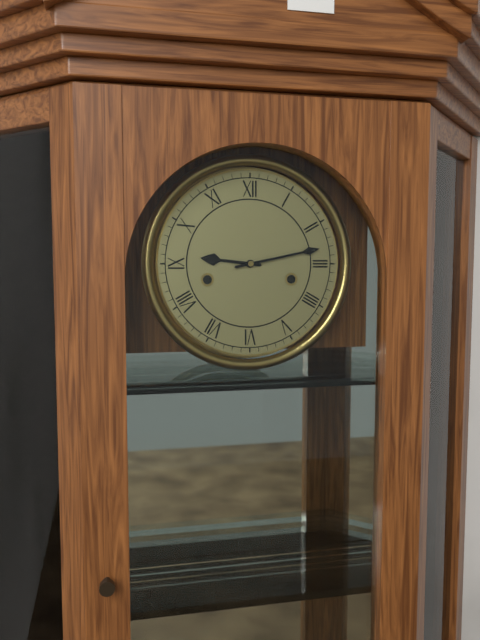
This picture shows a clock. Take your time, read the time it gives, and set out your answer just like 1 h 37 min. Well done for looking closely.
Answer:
9 h 13 min
